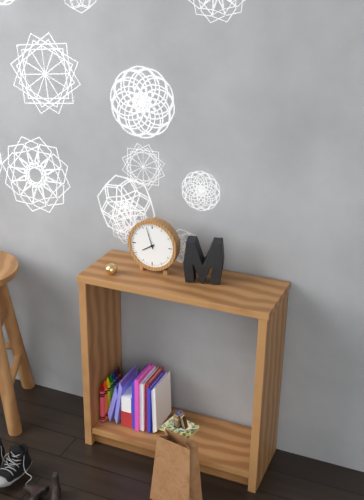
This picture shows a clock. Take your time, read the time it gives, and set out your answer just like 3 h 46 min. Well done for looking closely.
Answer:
7 h 57 min
